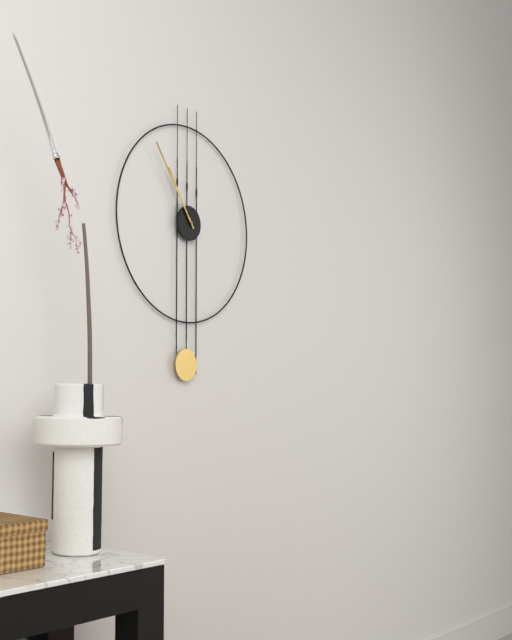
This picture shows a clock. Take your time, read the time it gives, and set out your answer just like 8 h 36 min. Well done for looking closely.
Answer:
10 h 54 min
